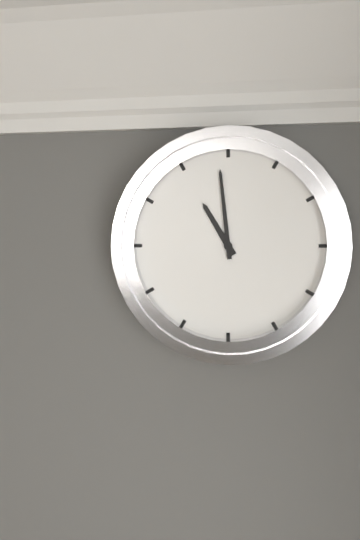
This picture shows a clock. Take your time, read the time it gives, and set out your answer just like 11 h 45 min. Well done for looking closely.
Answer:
10 h 59 min
